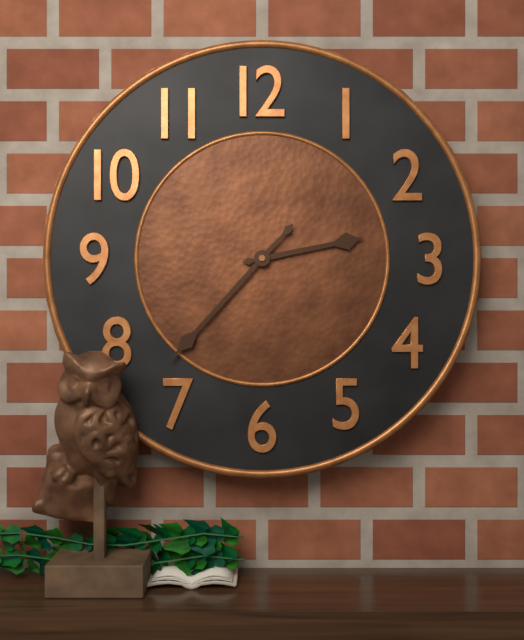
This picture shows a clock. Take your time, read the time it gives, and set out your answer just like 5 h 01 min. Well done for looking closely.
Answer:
2 h 37 min
